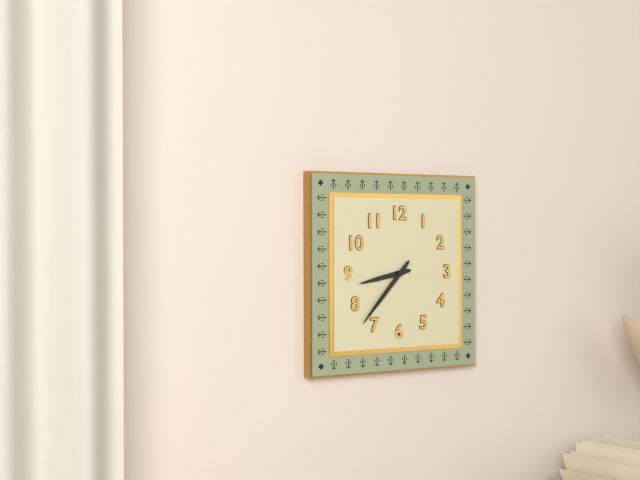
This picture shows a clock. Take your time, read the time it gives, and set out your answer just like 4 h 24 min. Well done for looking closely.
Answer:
8 h 37 min
